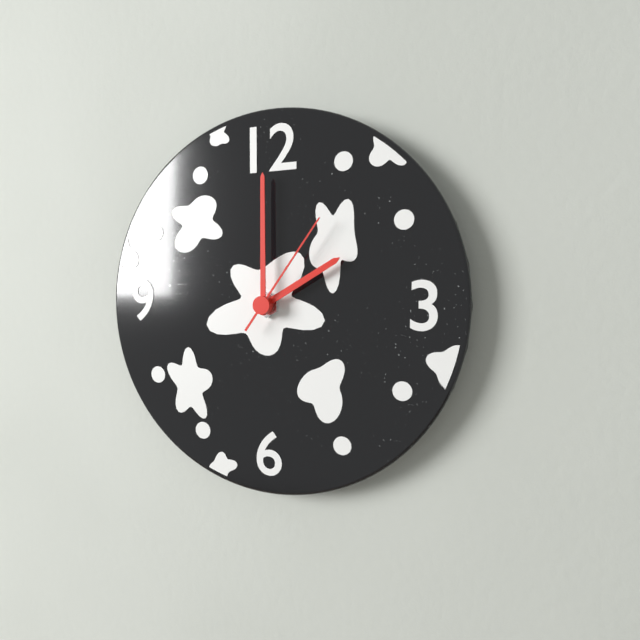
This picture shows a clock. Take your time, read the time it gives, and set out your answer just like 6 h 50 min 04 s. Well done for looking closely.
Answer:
2 h 00 min 06 s
